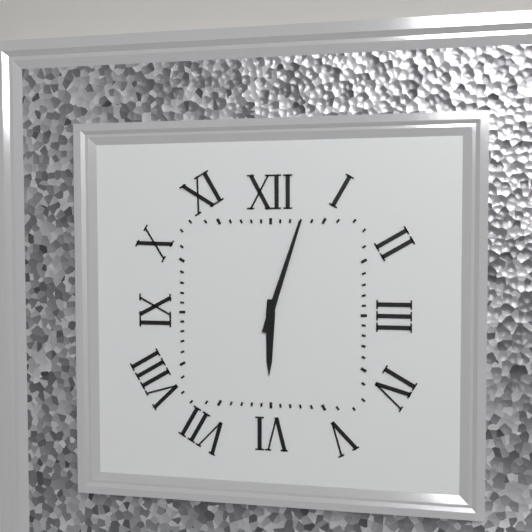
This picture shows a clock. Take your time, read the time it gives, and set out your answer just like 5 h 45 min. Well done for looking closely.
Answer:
6 h 03 min
